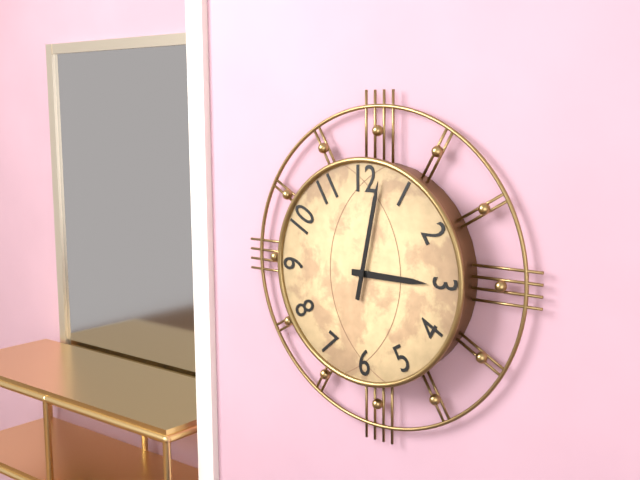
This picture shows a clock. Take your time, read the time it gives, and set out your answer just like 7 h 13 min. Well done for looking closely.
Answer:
3 h 02 min
